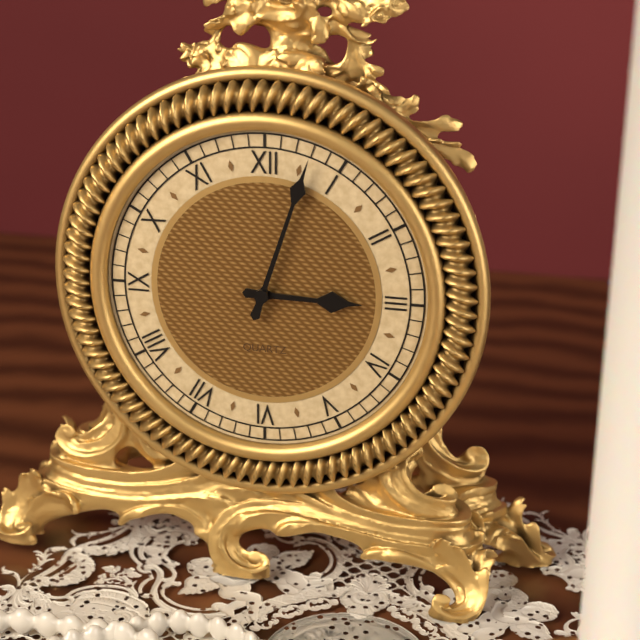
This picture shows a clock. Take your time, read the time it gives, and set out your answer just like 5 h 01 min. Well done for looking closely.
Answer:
3 h 03 min
